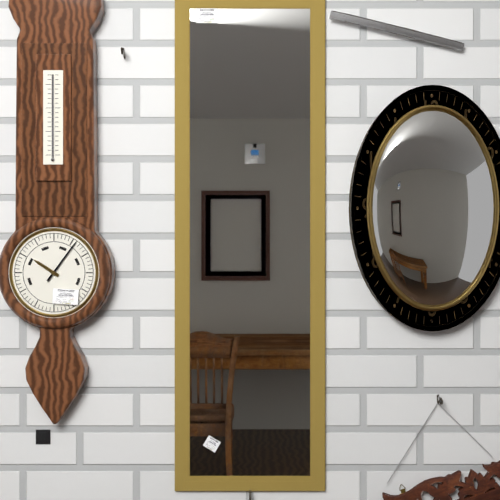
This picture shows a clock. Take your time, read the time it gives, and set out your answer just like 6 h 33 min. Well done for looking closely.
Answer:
10 h 06 min
